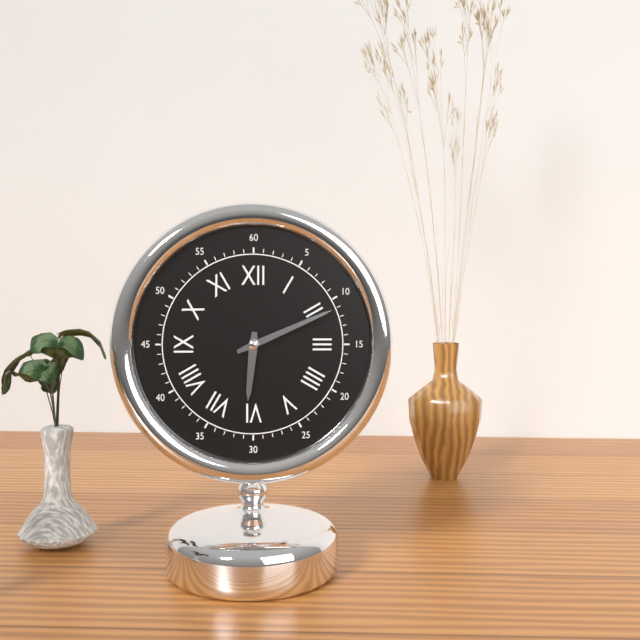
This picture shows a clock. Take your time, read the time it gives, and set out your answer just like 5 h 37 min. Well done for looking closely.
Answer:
6 h 11 min
